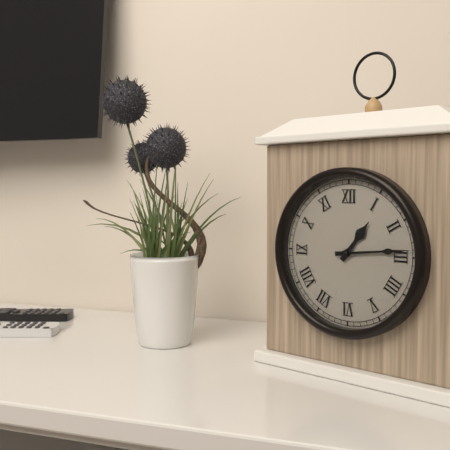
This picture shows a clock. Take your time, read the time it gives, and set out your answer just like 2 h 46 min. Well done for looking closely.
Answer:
1 h 14 min
